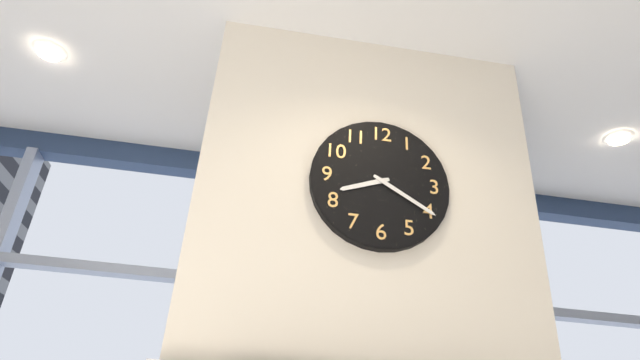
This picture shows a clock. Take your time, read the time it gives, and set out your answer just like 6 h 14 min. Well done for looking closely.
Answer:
8 h 20 min
